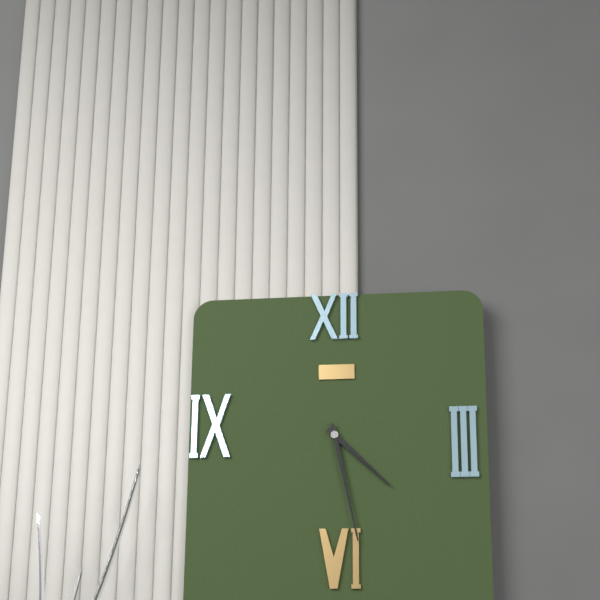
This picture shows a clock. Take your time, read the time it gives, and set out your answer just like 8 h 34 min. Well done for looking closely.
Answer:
4 h 28 min
